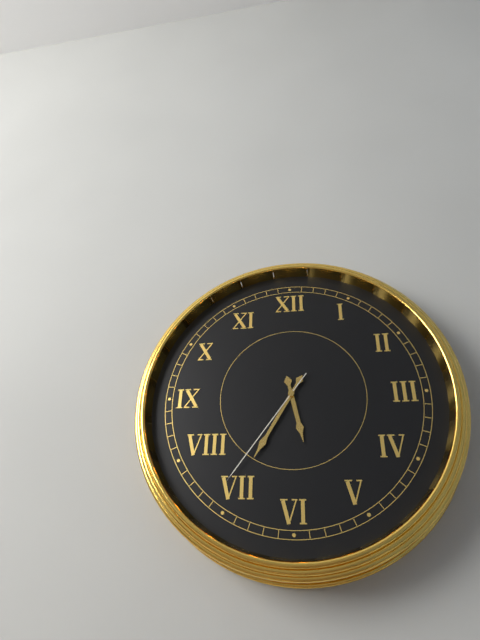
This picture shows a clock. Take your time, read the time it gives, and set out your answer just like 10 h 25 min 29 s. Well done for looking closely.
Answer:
5 h 35 min 36 s
